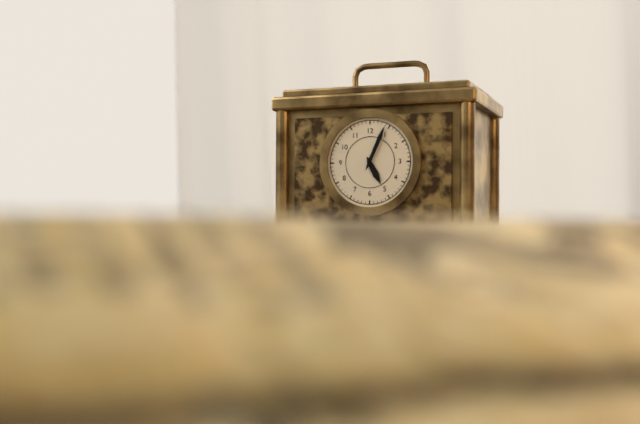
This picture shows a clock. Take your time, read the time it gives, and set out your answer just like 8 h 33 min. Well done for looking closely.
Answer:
5 h 04 min
